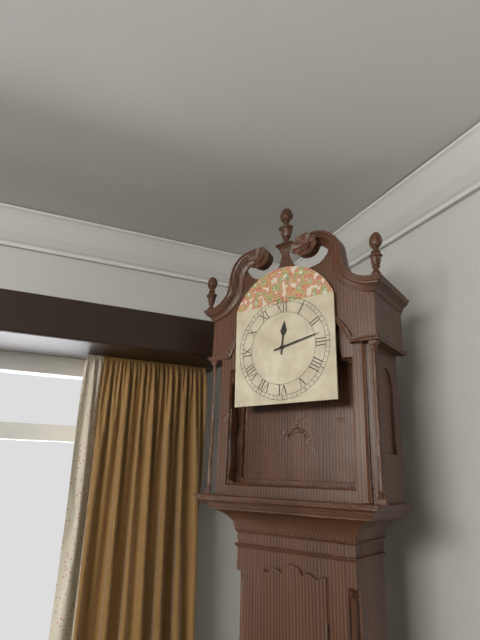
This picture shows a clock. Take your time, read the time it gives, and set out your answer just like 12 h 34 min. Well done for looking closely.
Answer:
12 h 13 min
